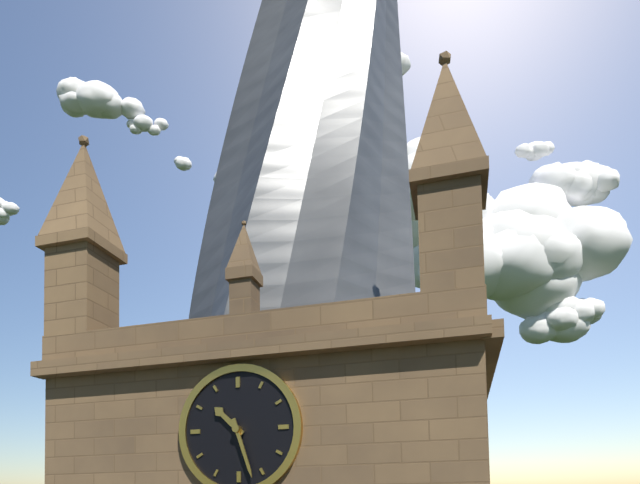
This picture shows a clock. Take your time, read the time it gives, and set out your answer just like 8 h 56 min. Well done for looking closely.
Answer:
10 h 27 min
